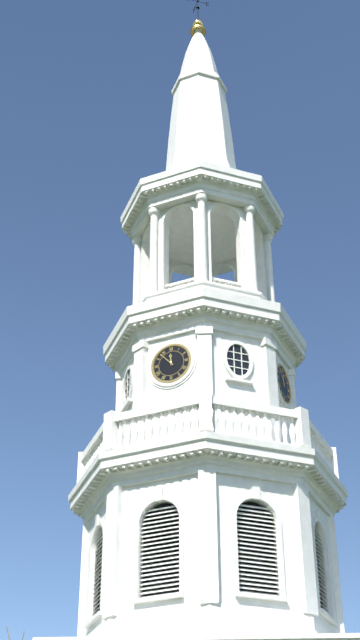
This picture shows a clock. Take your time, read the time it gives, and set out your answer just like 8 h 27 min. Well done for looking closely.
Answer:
11 h 53 min
